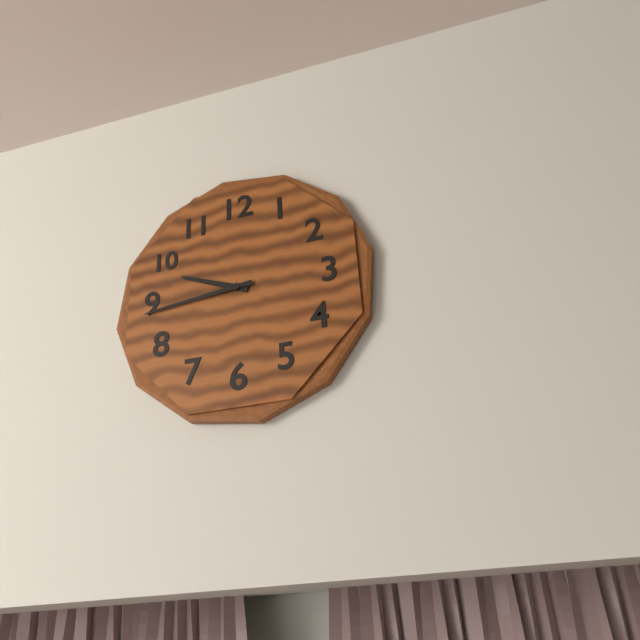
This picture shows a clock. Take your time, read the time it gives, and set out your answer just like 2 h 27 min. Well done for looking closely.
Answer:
9 h 44 min
